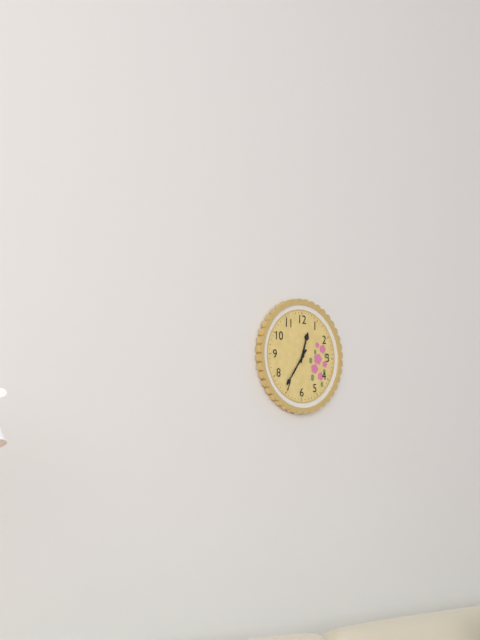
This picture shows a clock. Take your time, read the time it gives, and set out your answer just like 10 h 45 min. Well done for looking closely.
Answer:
12 h 36 min
